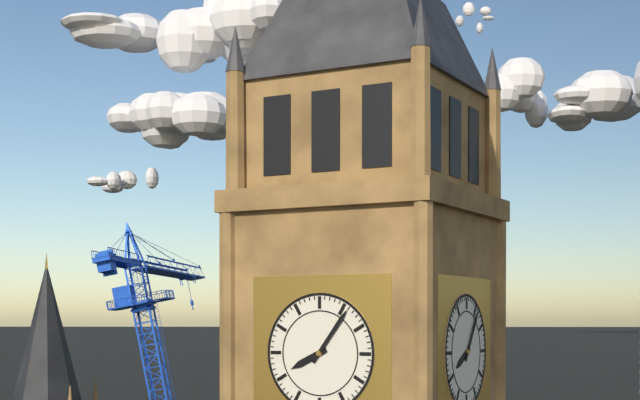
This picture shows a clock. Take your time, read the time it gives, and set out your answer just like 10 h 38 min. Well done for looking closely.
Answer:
8 h 06 min
